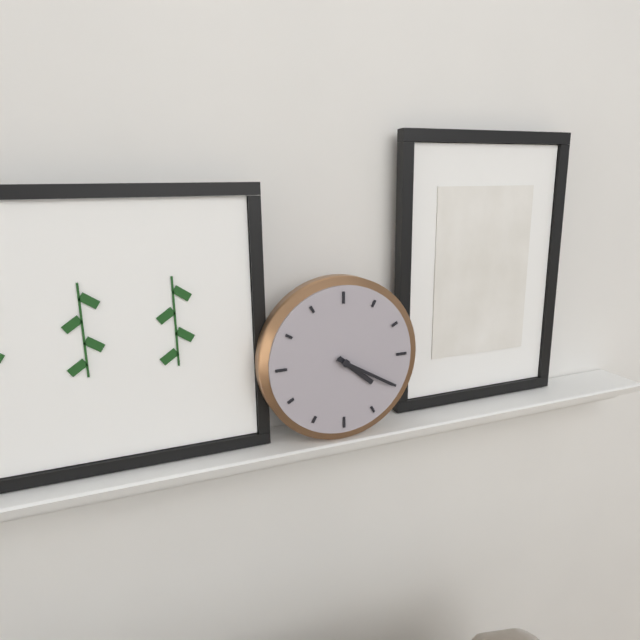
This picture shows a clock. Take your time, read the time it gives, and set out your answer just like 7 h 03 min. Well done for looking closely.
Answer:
4 h 20 min
